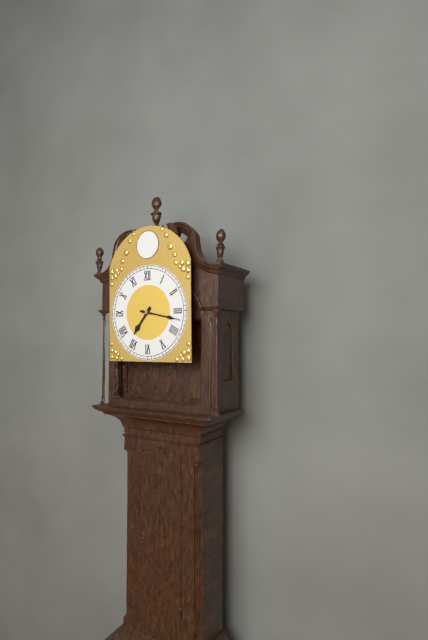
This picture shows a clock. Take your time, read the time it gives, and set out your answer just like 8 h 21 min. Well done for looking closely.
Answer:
7 h 17 min
